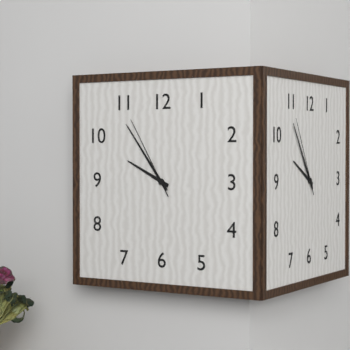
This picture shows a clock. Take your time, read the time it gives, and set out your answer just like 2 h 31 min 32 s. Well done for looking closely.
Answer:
9 h 54 min 55 s
